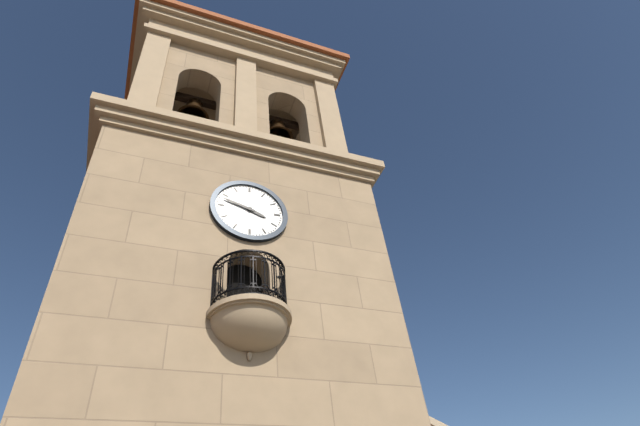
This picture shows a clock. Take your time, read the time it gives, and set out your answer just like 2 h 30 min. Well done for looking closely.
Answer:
3 h 48 min
